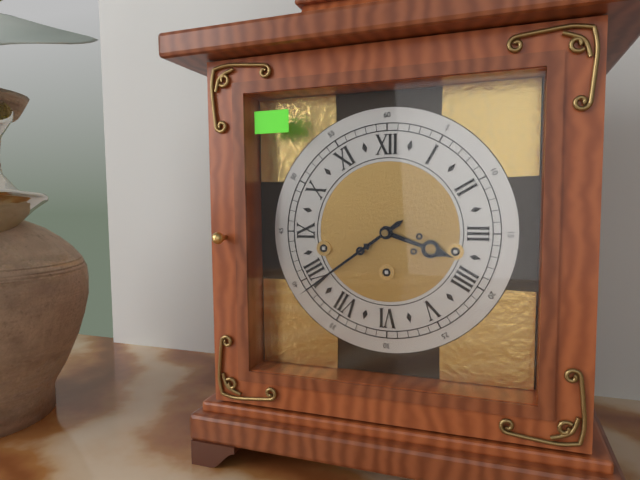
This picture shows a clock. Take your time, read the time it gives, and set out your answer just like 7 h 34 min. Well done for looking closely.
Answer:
3 h 39 min
